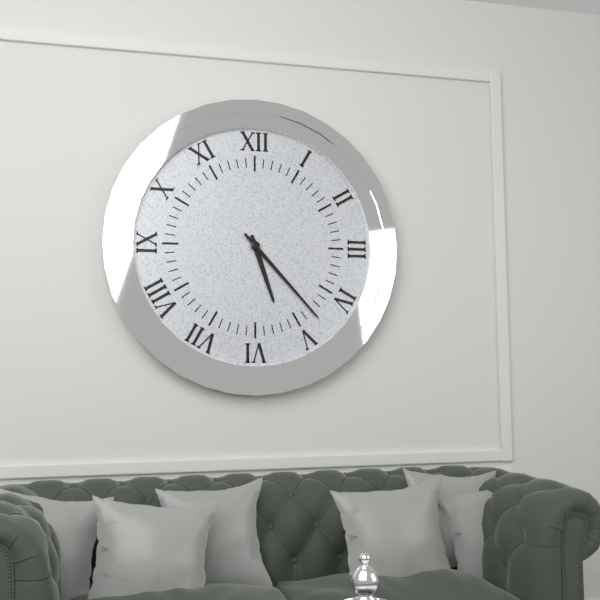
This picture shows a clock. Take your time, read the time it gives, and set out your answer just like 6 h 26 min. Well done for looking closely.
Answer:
5 h 23 min
